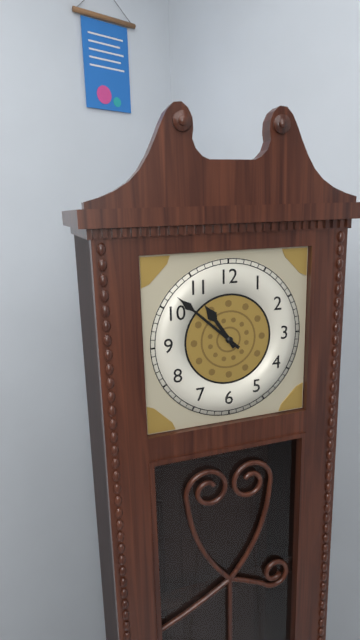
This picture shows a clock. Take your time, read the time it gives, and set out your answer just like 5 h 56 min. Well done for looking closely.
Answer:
10 h 52 min
